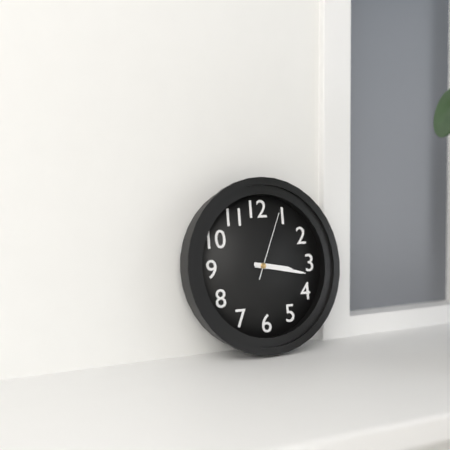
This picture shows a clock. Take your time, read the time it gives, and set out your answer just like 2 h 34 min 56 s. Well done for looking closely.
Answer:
3 h 17 min 04 s
